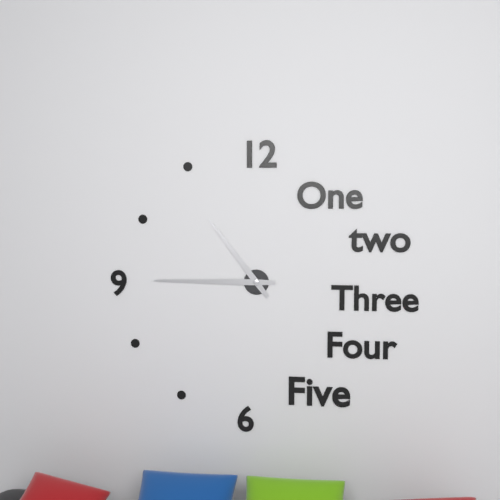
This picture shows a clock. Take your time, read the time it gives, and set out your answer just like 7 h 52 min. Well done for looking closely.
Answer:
10 h 45 min
